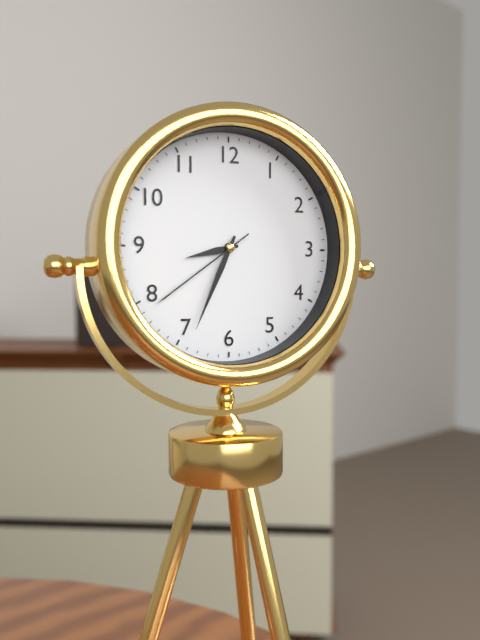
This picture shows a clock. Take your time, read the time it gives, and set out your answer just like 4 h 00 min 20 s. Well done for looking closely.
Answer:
8 h 34 min 39 s
